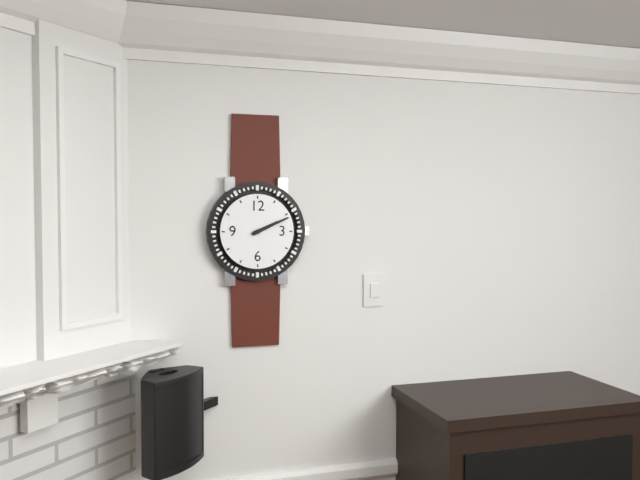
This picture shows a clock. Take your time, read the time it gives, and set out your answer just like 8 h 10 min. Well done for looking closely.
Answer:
2 h 11 min
